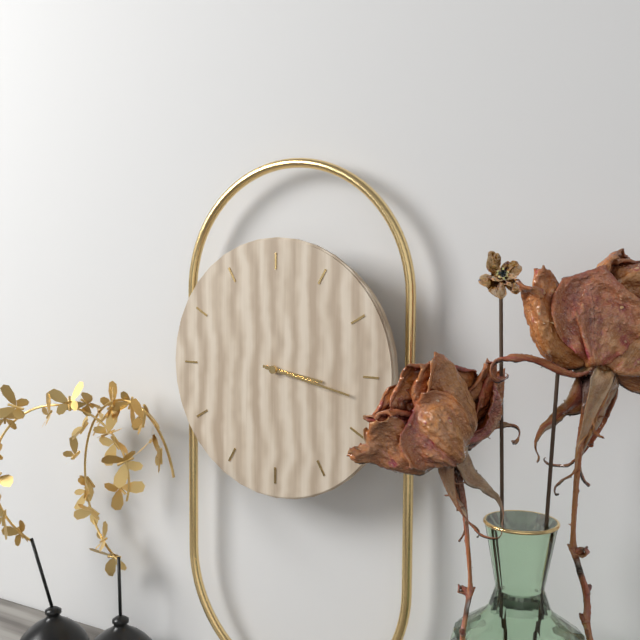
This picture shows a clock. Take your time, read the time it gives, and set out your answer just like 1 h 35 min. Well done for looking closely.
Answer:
3 h 17 min
